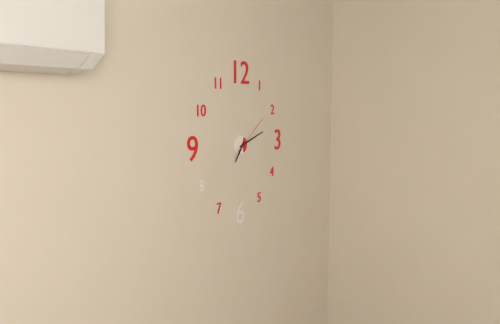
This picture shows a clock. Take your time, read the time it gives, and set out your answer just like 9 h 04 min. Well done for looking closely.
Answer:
7 h 12 min
